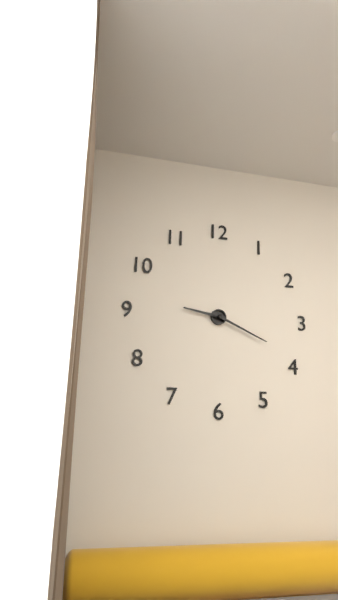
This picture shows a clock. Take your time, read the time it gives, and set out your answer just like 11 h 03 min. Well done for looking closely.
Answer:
9 h 19 min
